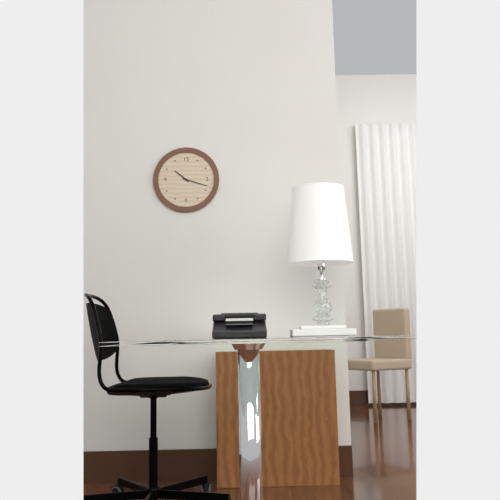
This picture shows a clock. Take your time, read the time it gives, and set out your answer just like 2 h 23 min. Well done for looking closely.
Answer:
10 h 18 min
